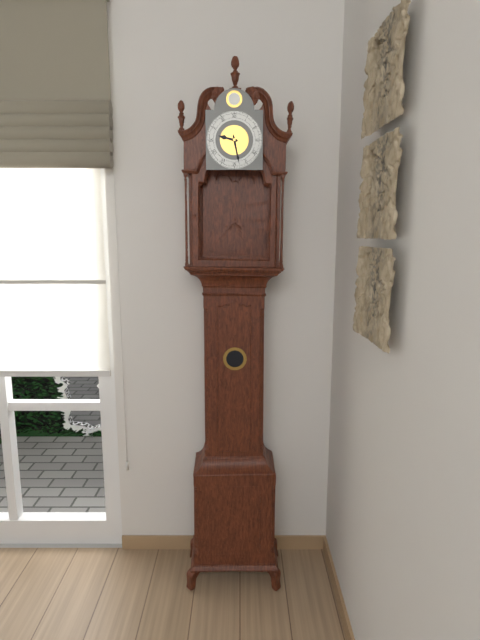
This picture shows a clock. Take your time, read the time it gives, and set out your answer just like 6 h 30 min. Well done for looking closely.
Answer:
9 h 28 min
